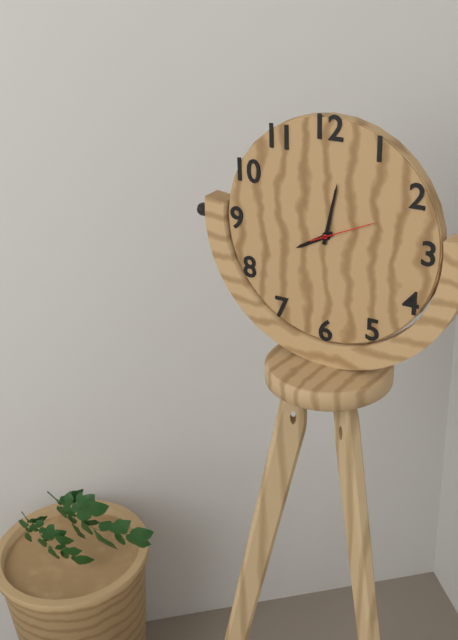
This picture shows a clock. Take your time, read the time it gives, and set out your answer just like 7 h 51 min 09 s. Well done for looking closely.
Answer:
8 h 02 min 11 s
